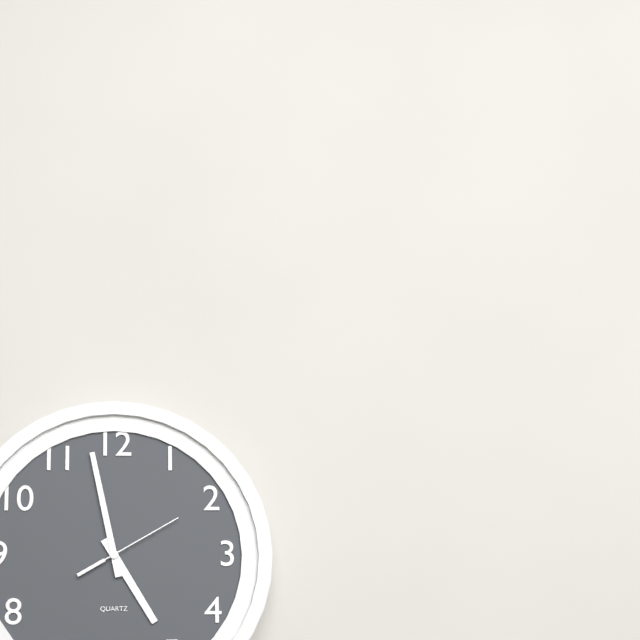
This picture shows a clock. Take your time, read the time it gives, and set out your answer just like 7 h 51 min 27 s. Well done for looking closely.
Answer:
4 h 58 min 10 s
